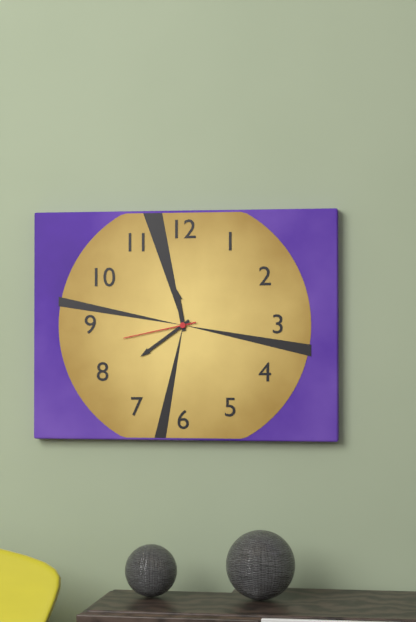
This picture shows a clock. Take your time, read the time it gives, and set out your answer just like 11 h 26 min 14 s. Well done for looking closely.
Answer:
11 h 39 min 43 s
